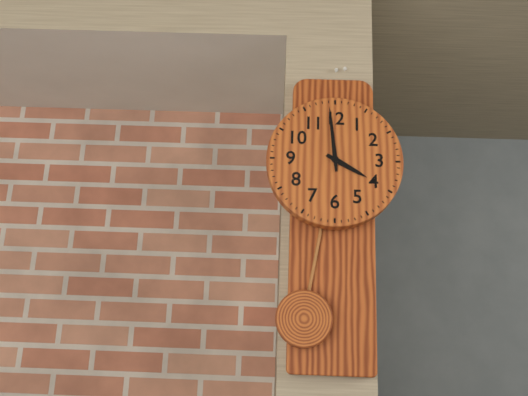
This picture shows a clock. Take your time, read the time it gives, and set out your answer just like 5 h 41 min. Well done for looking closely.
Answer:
3 h 59 min
